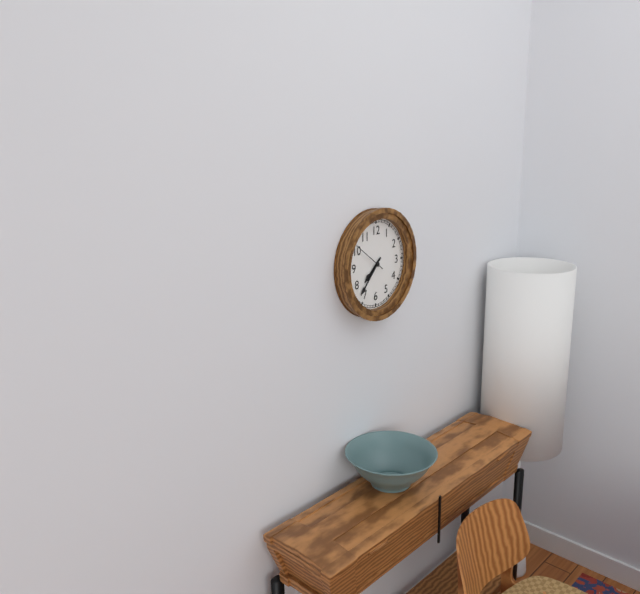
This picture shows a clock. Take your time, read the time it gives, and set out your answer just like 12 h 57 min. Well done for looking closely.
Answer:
7 h 37 min
